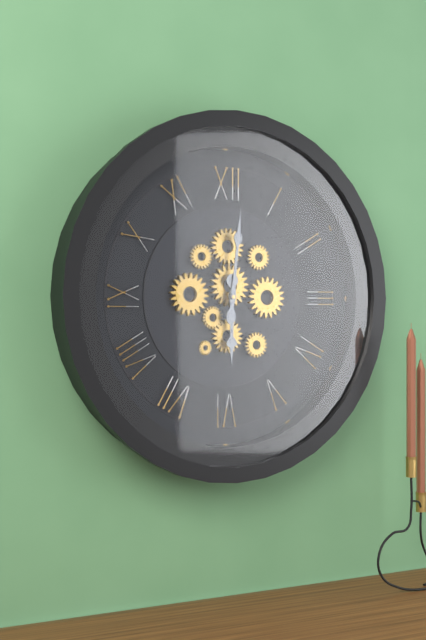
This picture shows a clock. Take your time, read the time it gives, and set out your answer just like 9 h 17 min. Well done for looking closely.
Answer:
6 h 01 min
